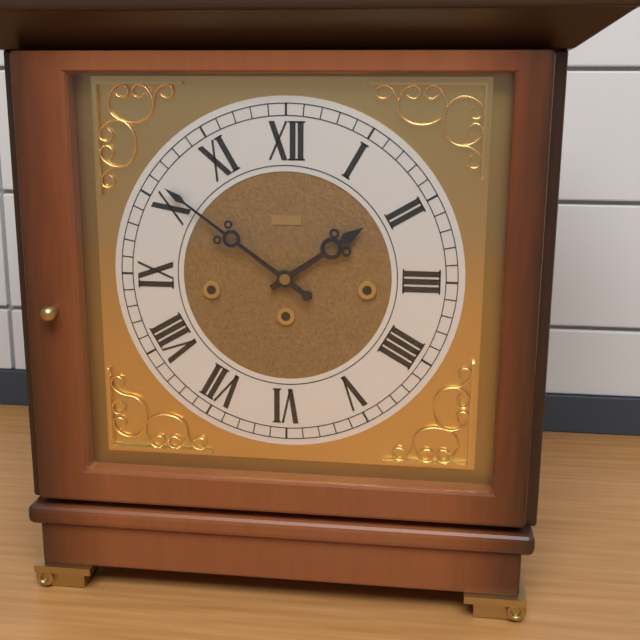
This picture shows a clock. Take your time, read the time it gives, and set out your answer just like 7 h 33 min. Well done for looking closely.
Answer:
1 h 51 min
